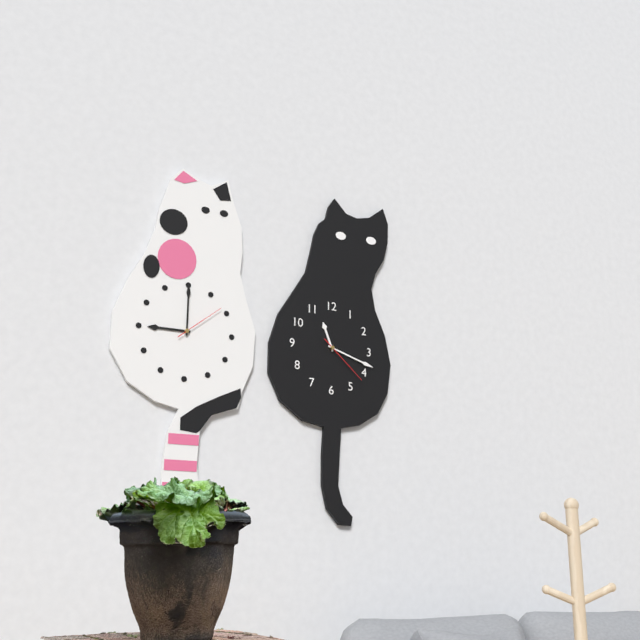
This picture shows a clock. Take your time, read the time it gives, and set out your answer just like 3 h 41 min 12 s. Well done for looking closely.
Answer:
11 h 18 min 22 s
